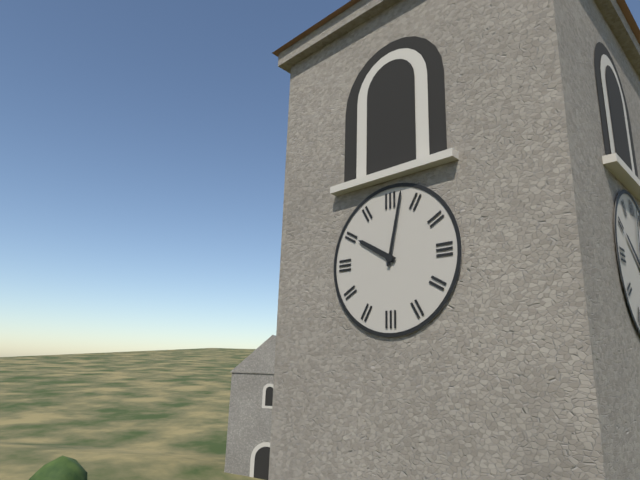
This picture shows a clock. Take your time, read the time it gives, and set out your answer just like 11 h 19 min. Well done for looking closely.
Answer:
10 h 02 min
